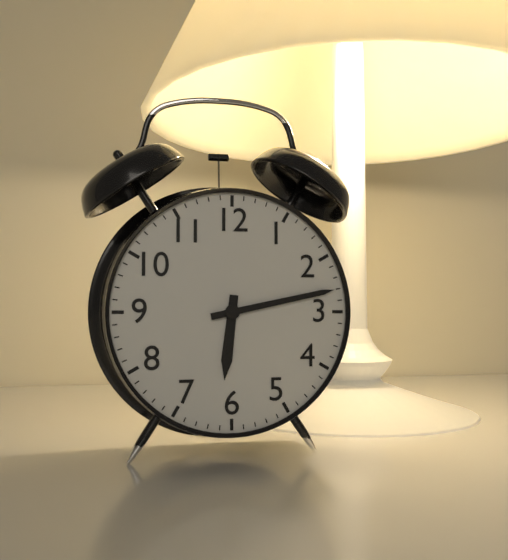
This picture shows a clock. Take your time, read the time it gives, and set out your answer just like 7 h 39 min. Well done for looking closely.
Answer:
6 h 13 min
